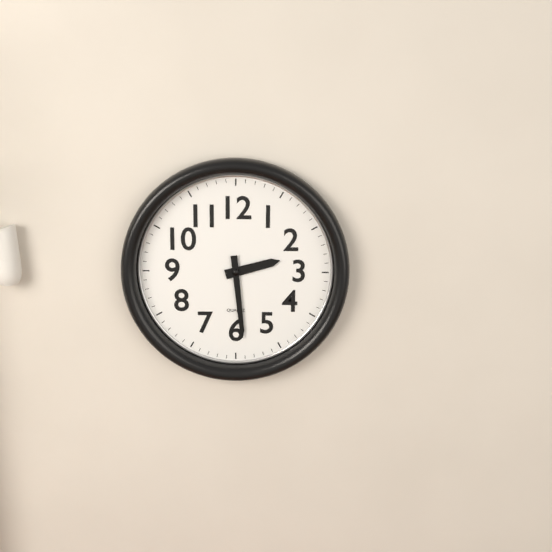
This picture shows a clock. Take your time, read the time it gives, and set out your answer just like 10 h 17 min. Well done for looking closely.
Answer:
2 h 29 min
